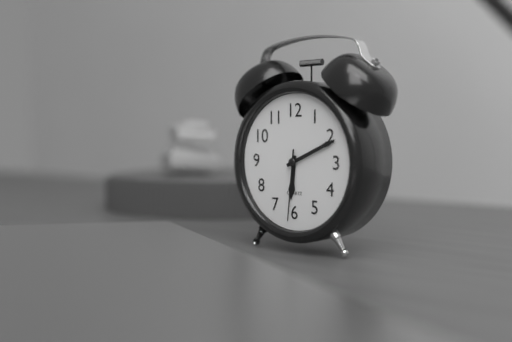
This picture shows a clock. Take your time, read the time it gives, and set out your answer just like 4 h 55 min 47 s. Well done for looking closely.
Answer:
6 h 11 min 31 s
